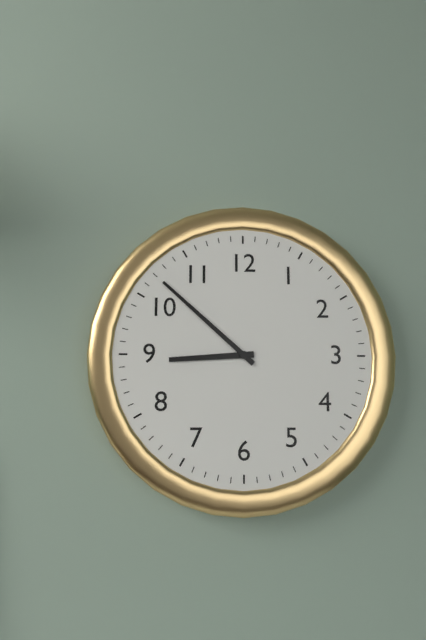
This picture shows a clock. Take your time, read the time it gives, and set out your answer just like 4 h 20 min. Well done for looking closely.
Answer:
8 h 52 min
